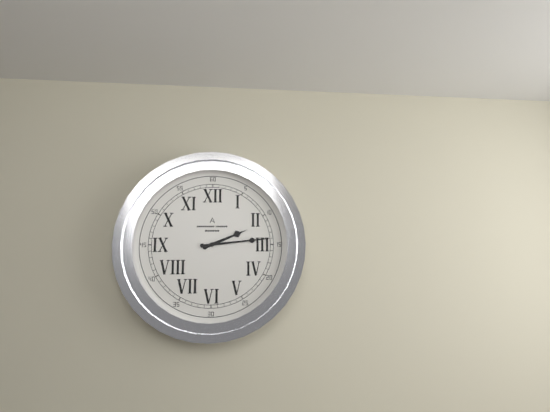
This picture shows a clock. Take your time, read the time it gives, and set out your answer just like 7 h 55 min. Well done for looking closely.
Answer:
2 h 14 min
